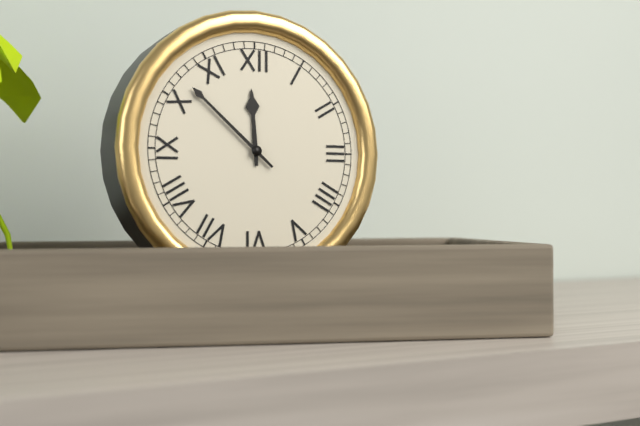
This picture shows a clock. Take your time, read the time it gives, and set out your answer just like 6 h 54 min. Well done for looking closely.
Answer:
11 h 52 min
